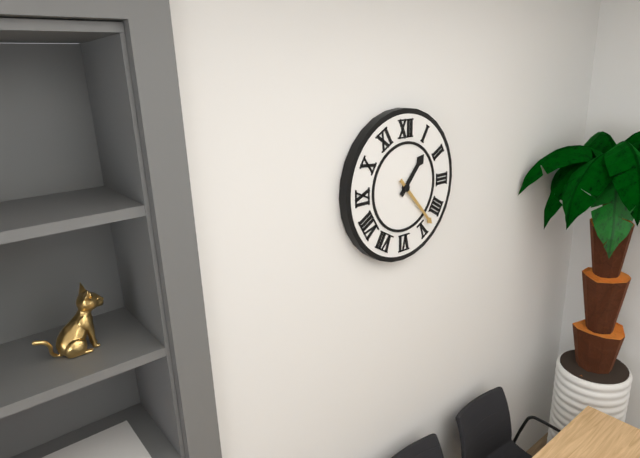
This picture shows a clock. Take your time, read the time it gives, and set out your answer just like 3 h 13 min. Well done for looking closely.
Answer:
1 h 23 min
